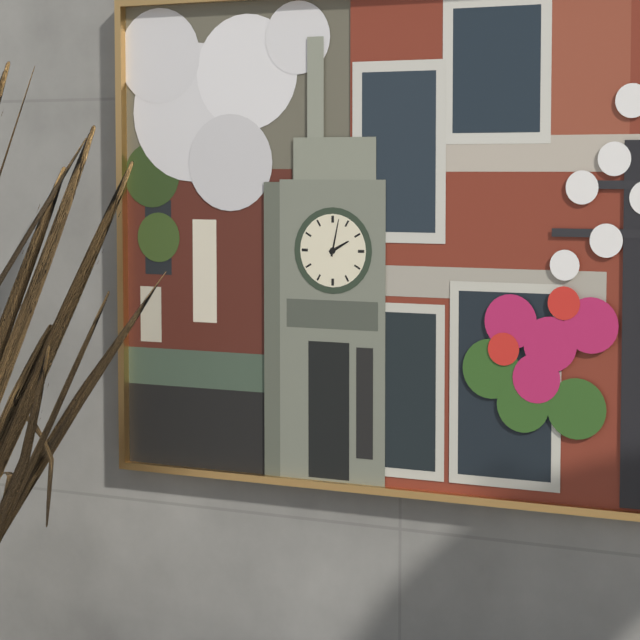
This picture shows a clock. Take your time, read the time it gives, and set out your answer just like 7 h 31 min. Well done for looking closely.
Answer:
2 h 02 min
